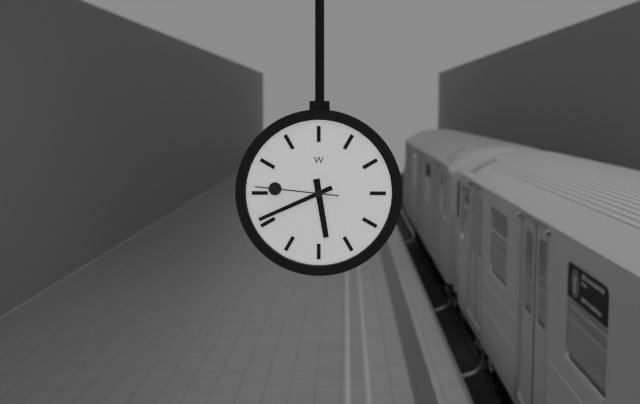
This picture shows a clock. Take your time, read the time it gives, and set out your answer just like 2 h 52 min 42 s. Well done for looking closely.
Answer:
5 h 41 min 46 s
